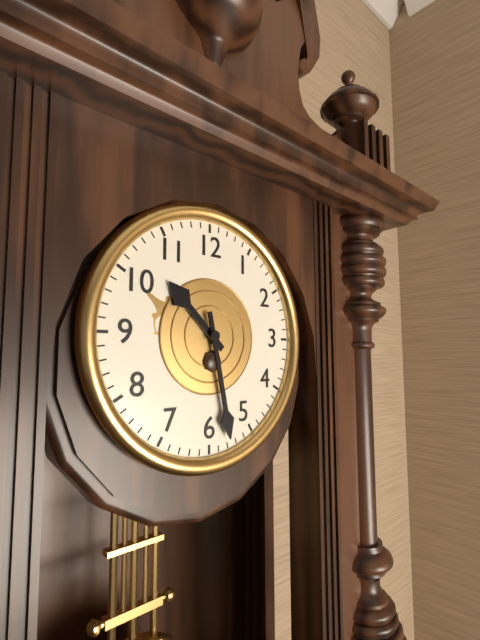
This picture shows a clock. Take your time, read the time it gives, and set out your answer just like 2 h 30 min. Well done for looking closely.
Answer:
10 h 28 min
